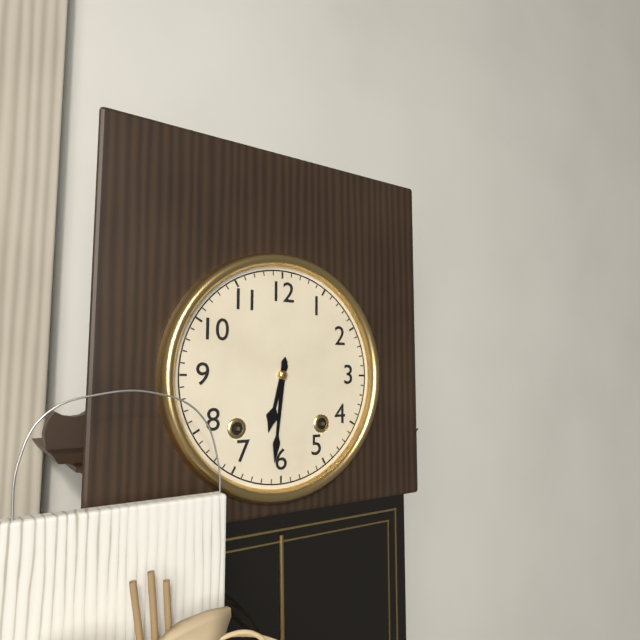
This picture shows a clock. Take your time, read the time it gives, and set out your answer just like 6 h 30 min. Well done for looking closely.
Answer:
6 h 31 min
